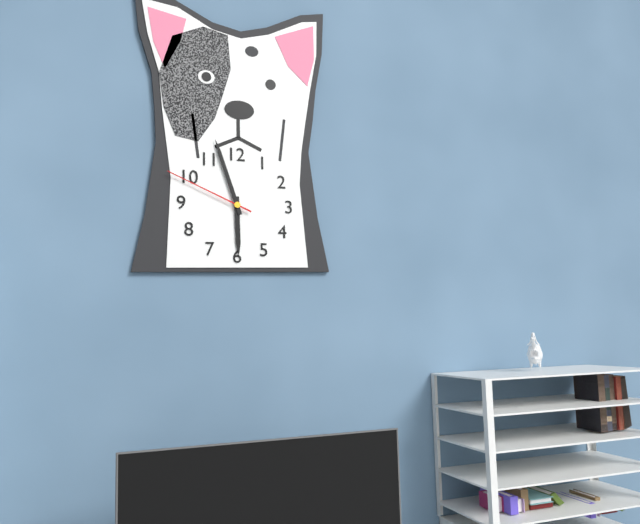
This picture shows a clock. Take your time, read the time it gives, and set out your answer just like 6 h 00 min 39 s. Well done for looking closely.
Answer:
5 h 57 min 49 s
